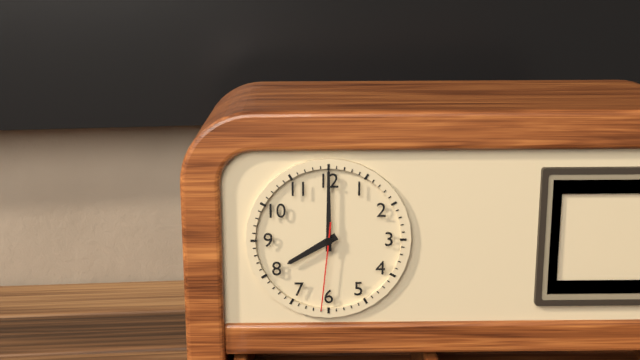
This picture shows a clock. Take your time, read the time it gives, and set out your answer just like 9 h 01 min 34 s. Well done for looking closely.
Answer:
8 h 00 min 31 s
